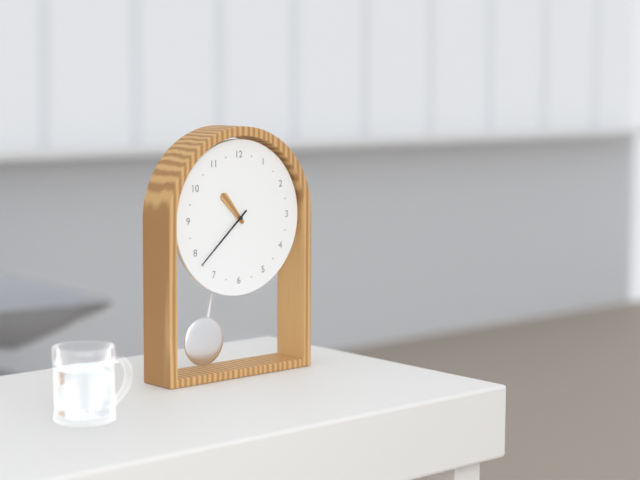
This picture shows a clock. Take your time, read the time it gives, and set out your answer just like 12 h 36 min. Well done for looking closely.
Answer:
10 h 38 min
